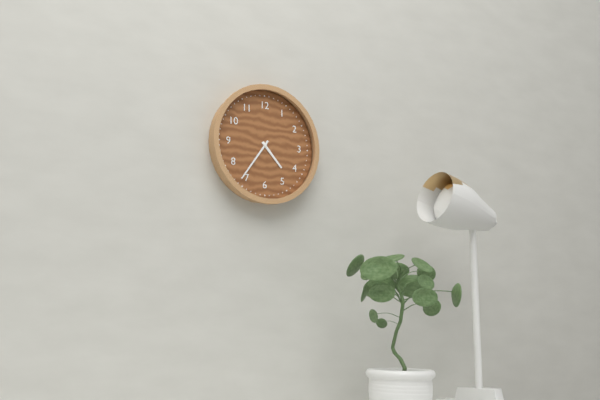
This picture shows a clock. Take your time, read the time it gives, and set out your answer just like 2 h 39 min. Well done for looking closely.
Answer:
4 h 36 min
